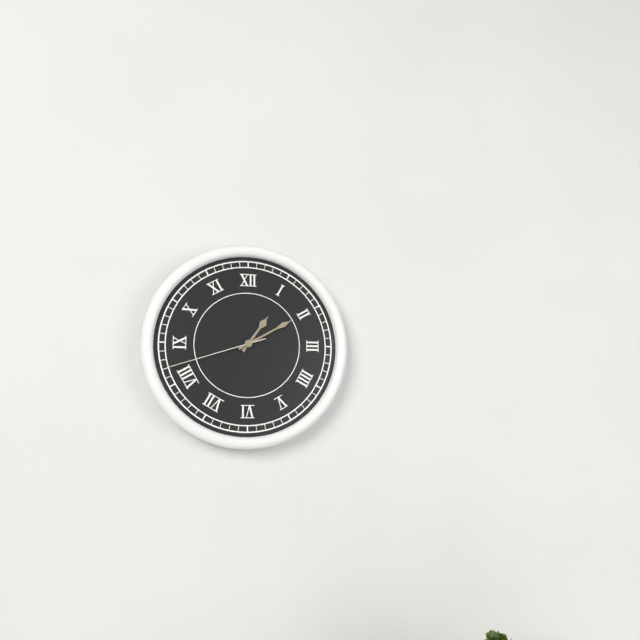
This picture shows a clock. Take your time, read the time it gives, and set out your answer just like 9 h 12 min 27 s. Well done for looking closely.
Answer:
1 h 10 min 42 s
